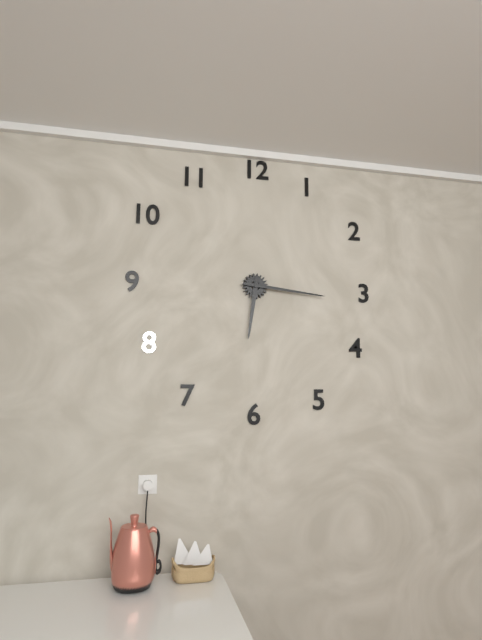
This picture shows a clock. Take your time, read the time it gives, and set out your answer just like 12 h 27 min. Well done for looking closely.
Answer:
6 h 16 min
